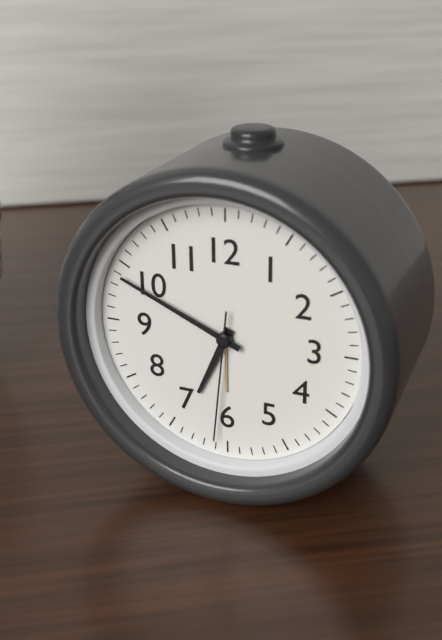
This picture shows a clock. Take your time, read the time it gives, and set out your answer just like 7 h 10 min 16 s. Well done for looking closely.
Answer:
6 h 49 min 31 s
